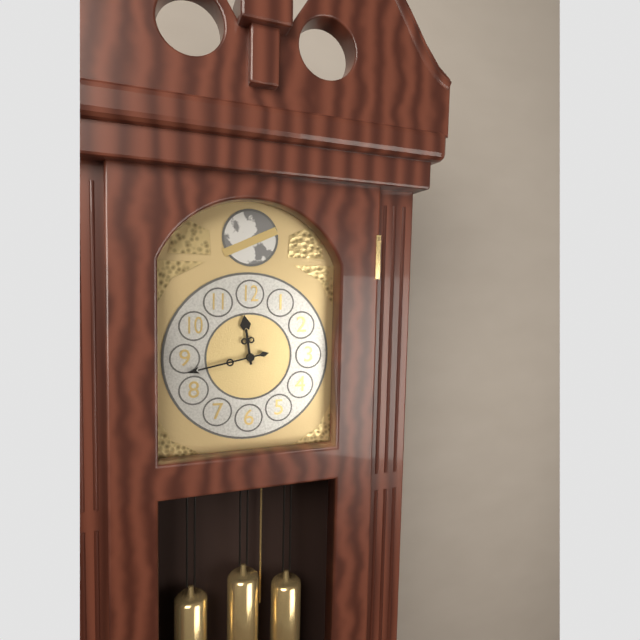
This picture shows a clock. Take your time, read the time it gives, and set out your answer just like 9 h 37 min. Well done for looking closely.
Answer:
11 h 43 min
